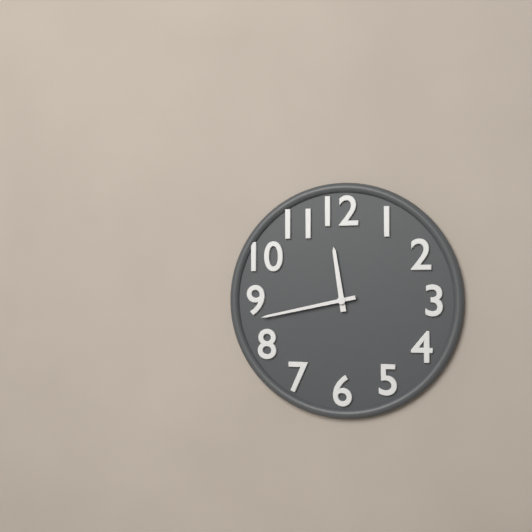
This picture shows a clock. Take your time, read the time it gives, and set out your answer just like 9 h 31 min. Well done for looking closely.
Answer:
11 h 43 min
